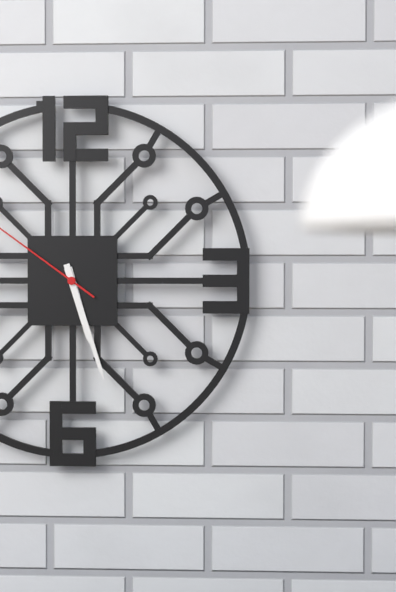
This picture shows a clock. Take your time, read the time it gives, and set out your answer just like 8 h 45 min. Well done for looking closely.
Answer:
5 h 27 min
